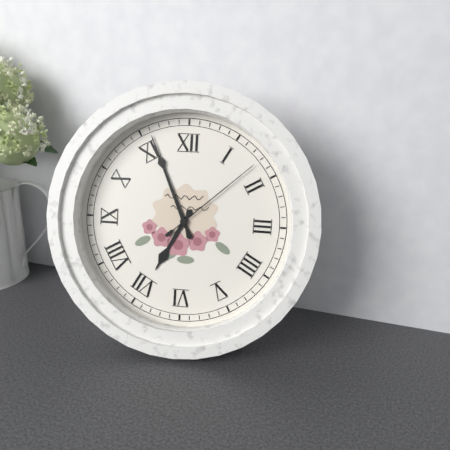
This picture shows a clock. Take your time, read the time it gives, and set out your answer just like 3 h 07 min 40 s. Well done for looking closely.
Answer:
6 h 56 min 08 s
